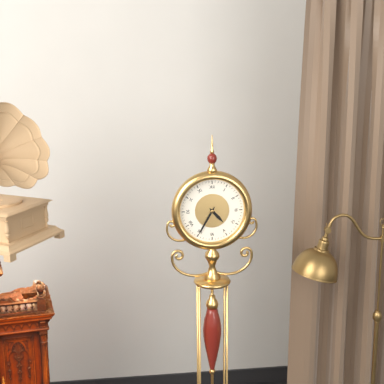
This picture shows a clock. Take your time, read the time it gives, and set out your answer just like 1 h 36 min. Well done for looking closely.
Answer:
4 h 35 min
